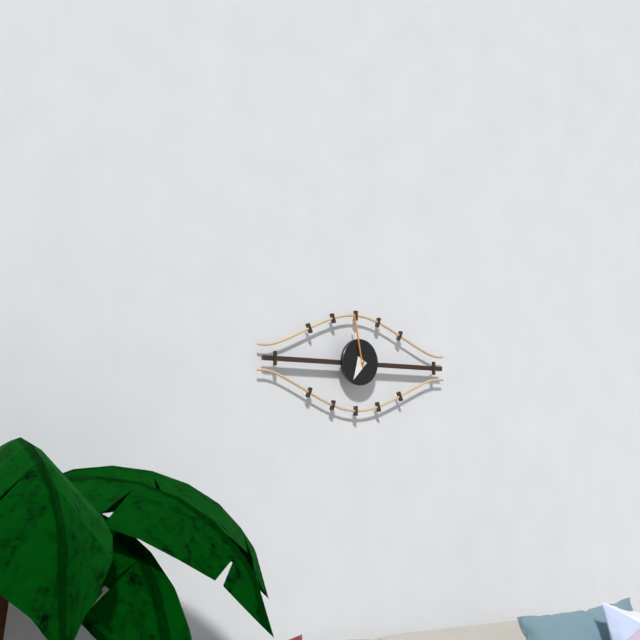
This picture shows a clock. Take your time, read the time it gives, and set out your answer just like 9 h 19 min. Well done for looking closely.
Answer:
6 h 58 min
